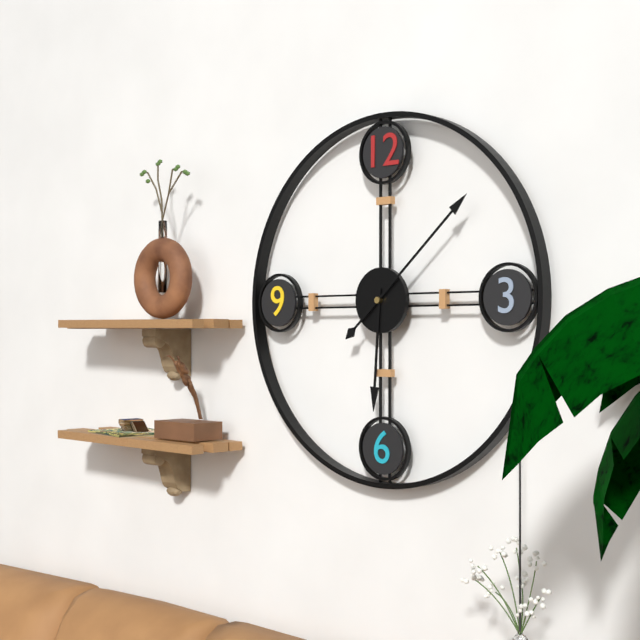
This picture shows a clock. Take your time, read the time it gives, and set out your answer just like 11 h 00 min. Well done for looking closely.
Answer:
6 h 08 min
